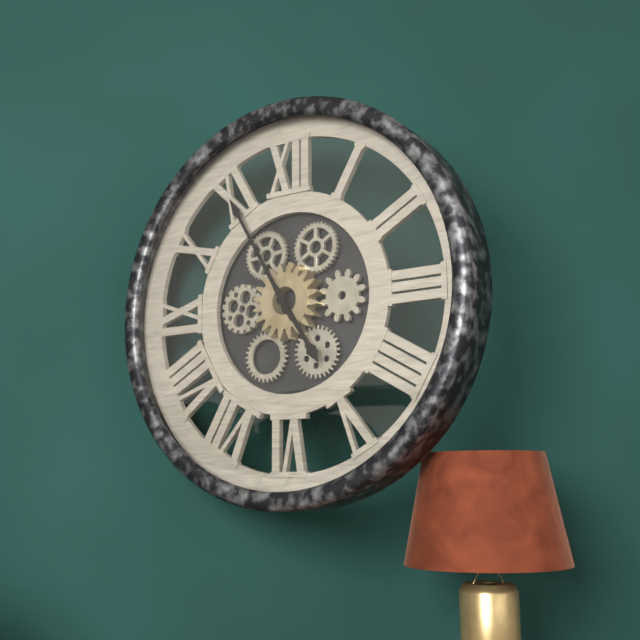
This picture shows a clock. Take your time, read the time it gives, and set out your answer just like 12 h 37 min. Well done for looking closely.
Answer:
4 h 55 min
